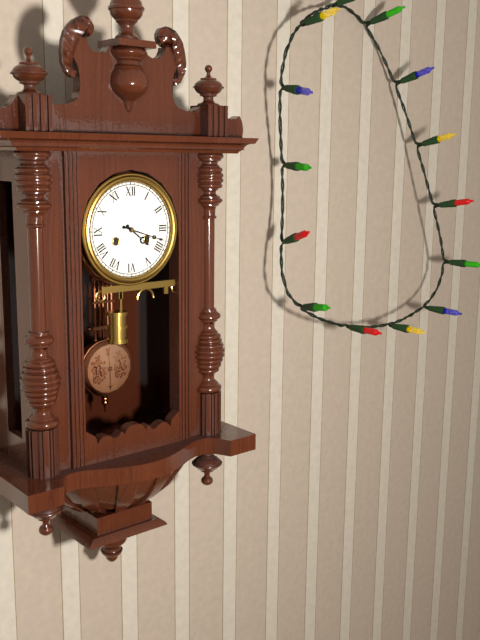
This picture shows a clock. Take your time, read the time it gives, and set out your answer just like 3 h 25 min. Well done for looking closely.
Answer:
4 h 18 min
